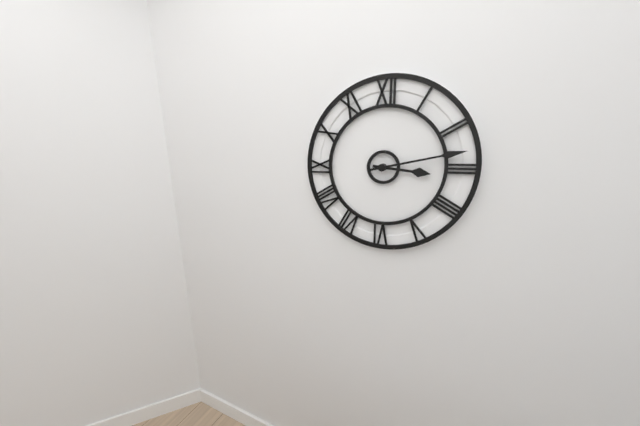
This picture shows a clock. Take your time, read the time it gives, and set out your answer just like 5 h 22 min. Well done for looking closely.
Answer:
3 h 13 min
